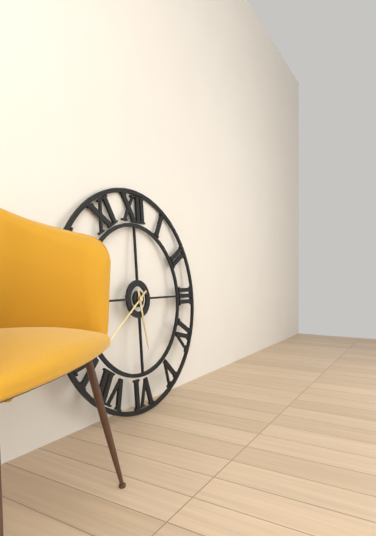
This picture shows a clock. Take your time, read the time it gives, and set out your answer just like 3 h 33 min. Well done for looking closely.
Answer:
5 h 39 min
